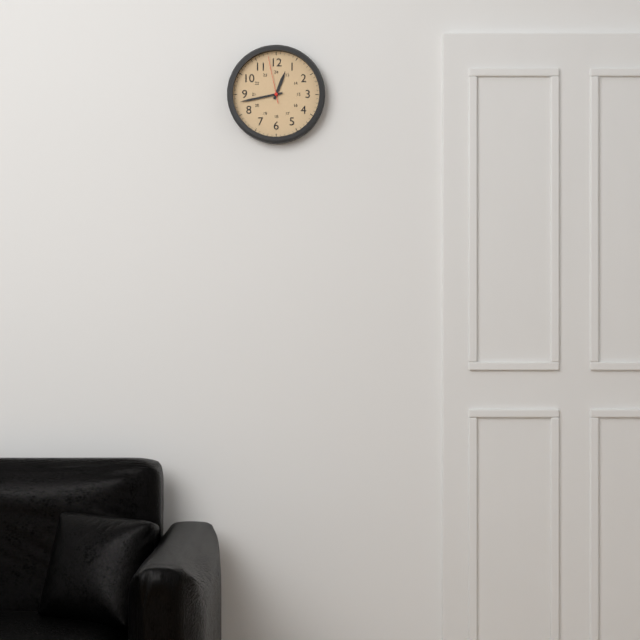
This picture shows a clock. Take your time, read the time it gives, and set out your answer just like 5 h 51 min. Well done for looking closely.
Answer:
12 h 43 min
